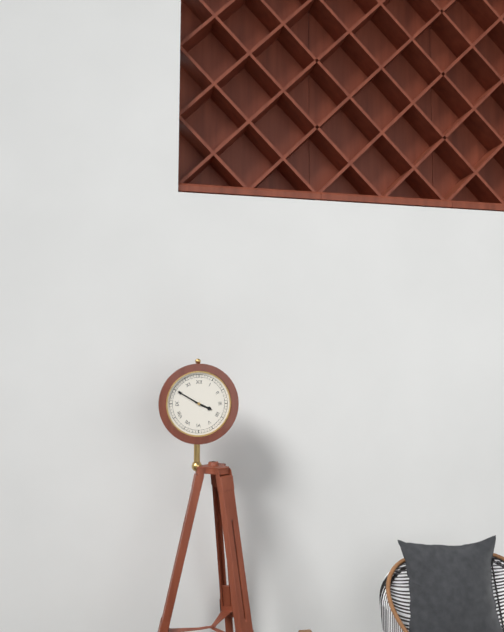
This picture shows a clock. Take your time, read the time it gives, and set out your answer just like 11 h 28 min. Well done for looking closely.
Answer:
3 h 50 min
